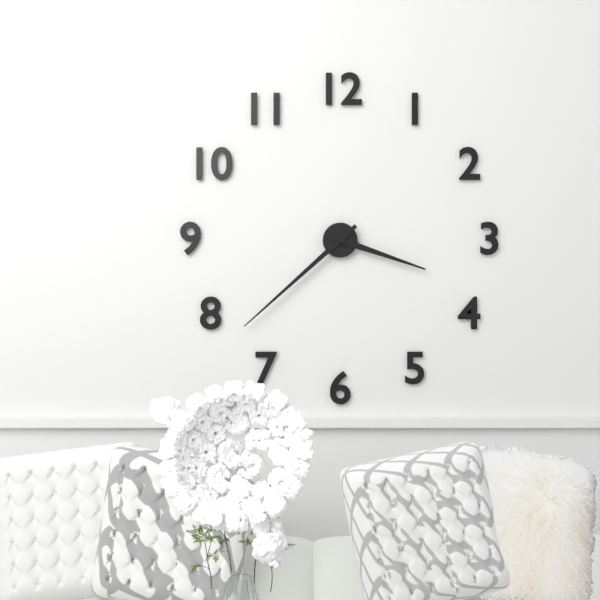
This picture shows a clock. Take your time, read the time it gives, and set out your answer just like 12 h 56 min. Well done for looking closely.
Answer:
3 h 38 min
